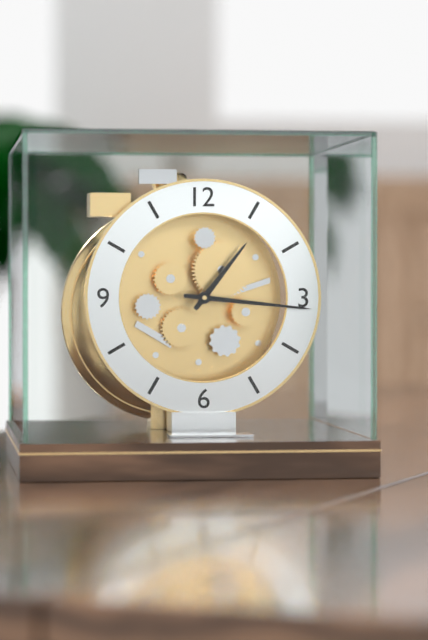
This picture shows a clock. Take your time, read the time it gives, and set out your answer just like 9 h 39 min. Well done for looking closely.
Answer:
1 h 16 min
